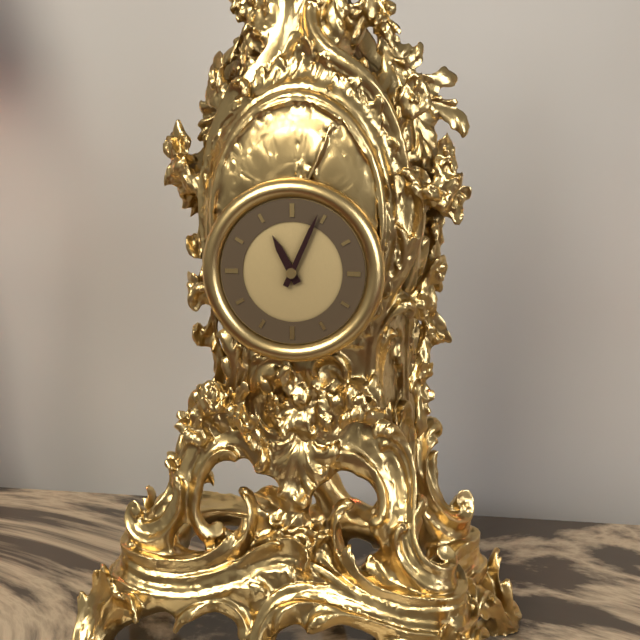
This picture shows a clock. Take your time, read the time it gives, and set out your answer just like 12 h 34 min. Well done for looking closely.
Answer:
11 h 04 min
